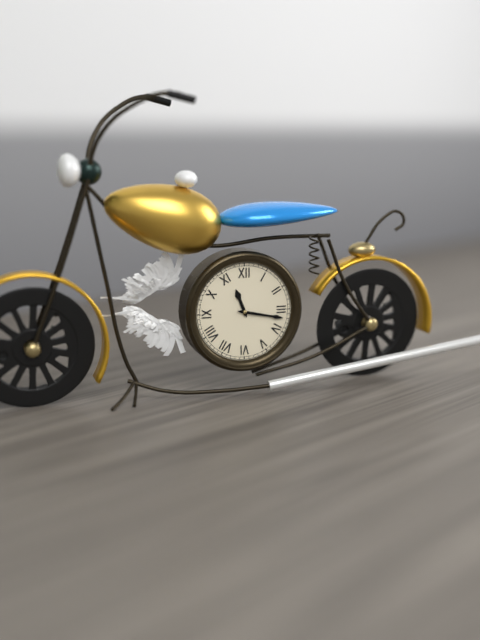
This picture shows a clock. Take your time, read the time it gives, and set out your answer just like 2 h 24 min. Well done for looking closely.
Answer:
11 h 17 min
